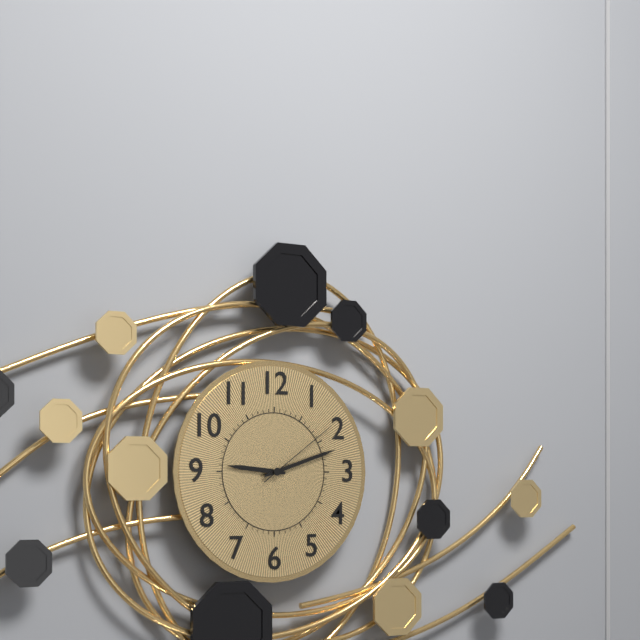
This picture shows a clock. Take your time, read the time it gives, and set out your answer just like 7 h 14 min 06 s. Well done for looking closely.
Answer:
9 h 12 min 09 s
